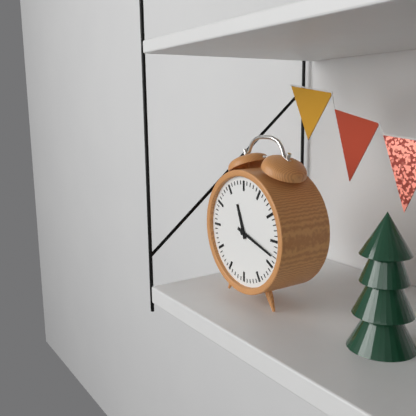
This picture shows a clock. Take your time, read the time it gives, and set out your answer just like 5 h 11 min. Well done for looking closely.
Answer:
11 h 18 min
